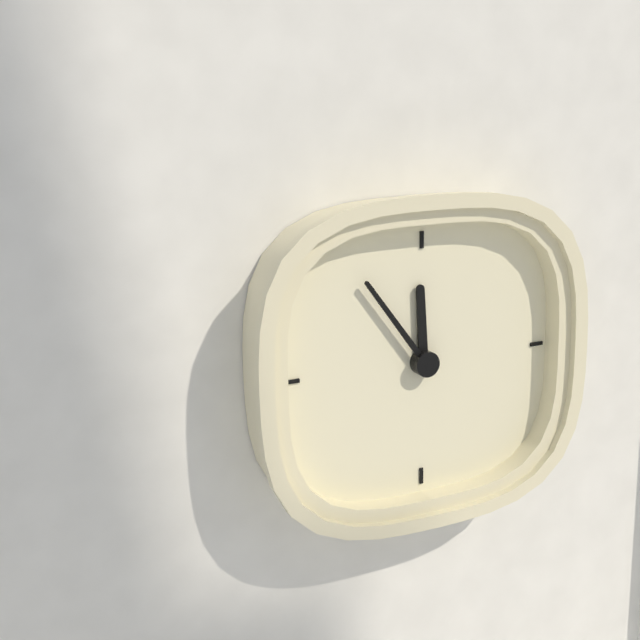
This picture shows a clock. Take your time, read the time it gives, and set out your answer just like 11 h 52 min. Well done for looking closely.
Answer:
11 h 54 min
